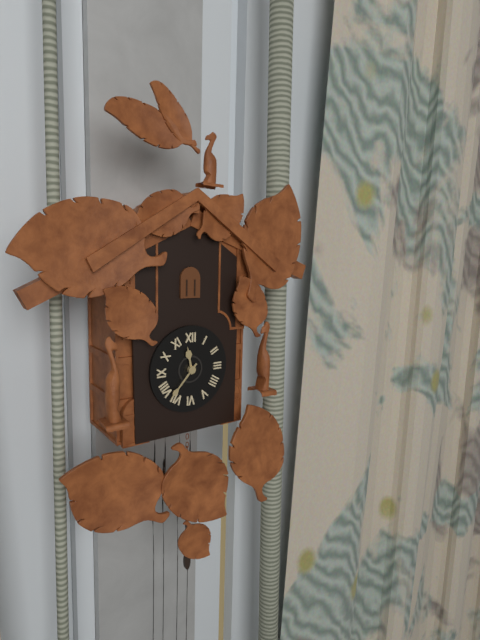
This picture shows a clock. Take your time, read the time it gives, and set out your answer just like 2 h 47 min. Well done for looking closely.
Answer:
11 h 37 min
